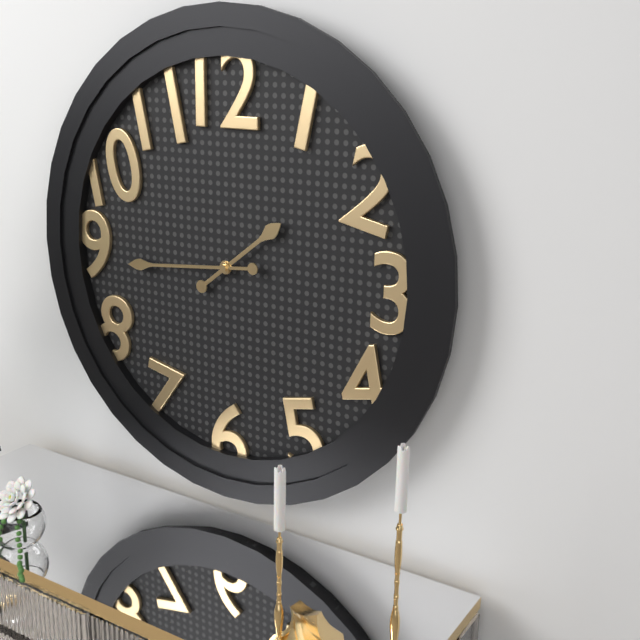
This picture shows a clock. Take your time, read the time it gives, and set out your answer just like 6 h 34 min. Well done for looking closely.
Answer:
1 h 44 min
